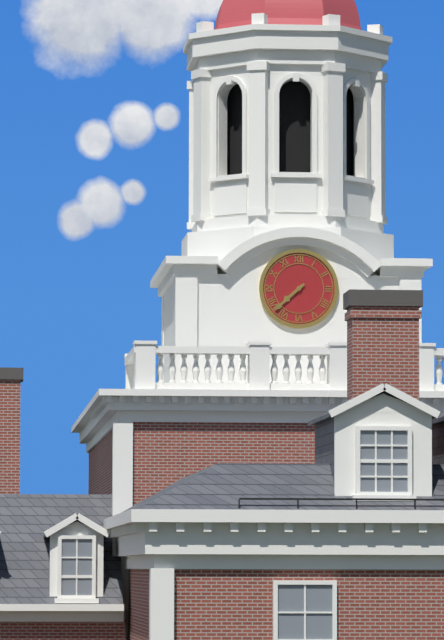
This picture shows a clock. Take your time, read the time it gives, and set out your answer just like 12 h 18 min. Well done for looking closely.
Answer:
7 h 38 min
